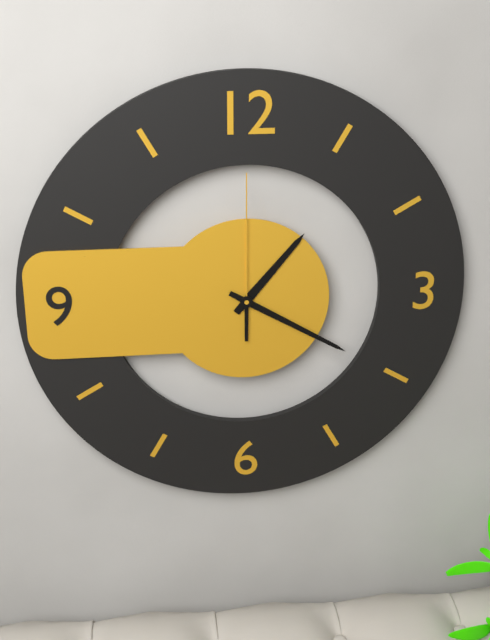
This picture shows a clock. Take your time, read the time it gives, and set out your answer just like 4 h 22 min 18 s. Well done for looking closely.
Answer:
1 h 20 min 00 s
